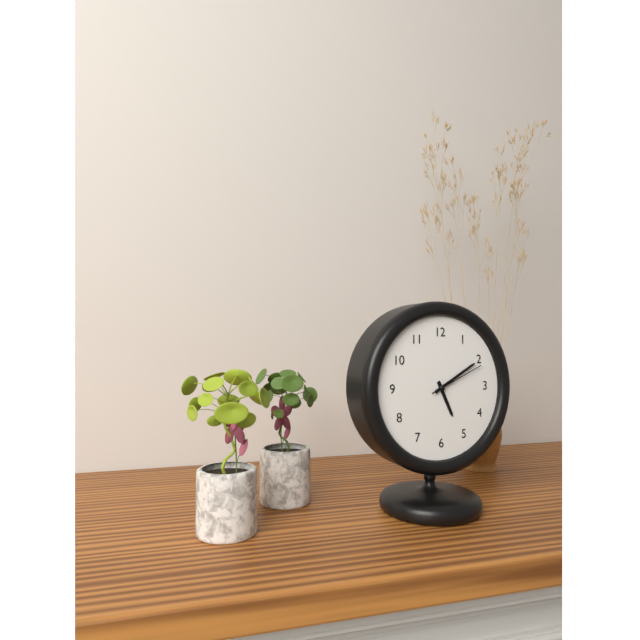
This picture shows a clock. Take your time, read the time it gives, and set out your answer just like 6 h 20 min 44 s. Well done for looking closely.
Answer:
5 h 10 min 11 s
